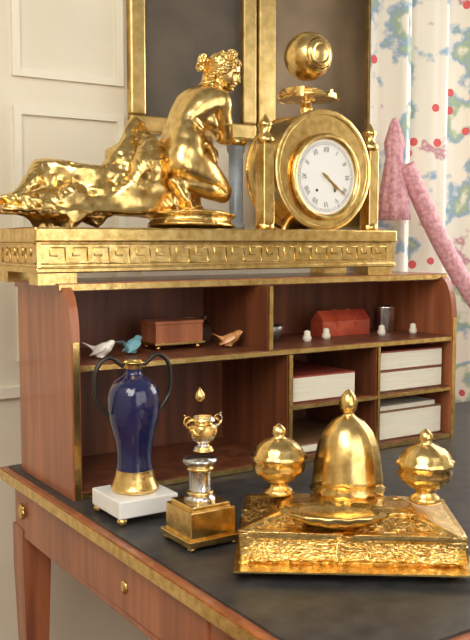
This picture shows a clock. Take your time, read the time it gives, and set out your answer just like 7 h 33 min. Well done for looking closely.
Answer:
4 h 21 min
